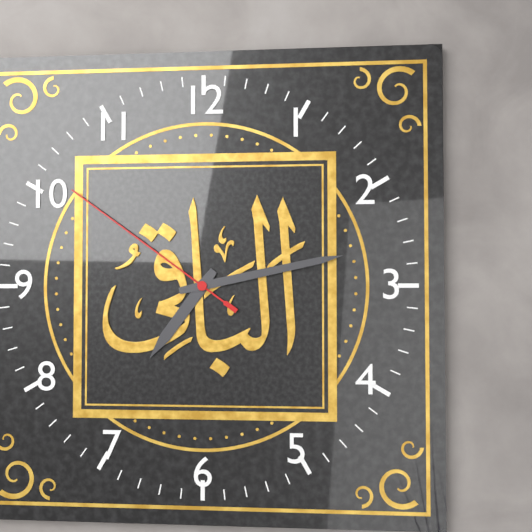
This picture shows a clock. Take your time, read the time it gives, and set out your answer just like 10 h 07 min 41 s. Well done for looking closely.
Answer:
7 h 13 min 51 s
